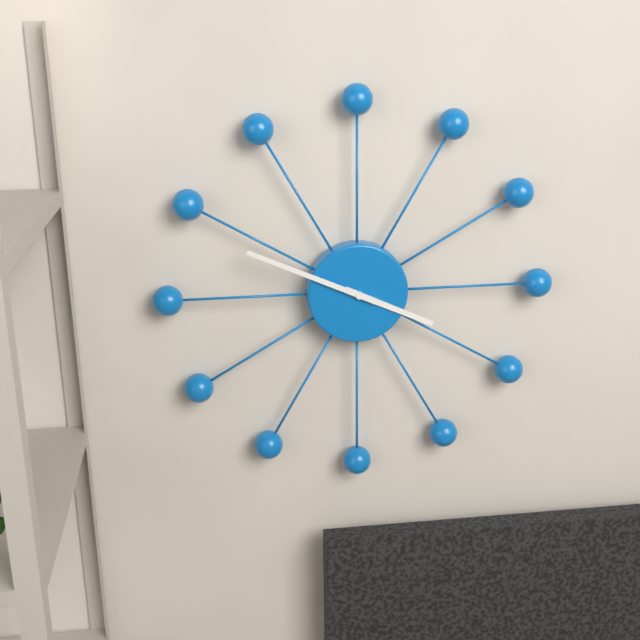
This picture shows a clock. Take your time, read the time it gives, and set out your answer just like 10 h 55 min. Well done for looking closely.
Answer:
3 h 49 min
